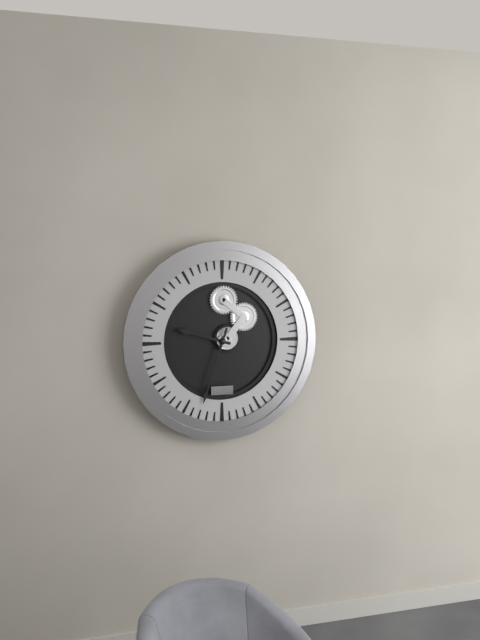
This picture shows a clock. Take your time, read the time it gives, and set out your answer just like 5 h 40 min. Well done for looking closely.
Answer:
9 h 33 min
